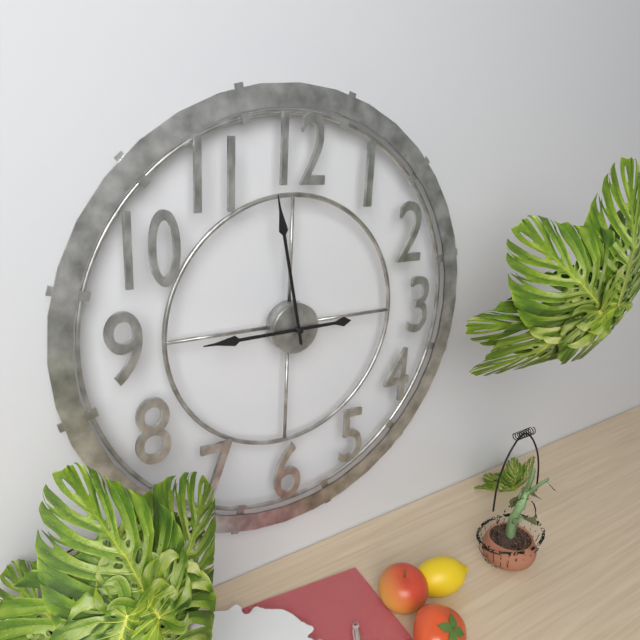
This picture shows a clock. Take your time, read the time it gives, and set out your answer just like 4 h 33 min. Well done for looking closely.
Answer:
8 h 58 min
